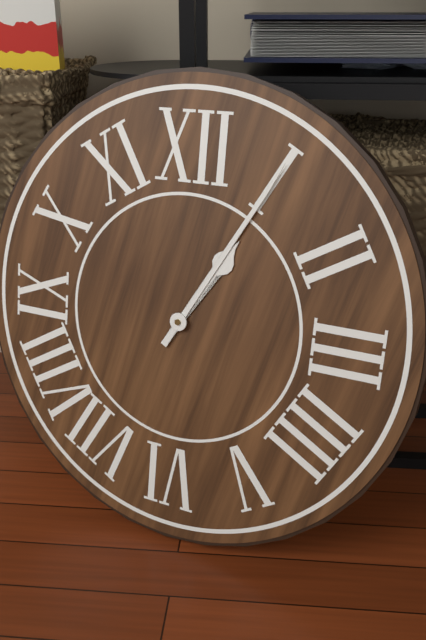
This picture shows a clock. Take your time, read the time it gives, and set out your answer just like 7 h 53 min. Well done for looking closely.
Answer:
1 h 05 min
